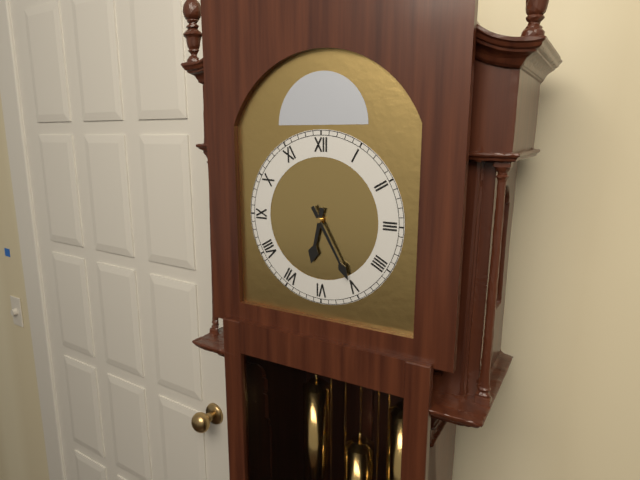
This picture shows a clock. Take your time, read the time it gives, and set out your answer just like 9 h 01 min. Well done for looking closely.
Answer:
6 h 25 min
